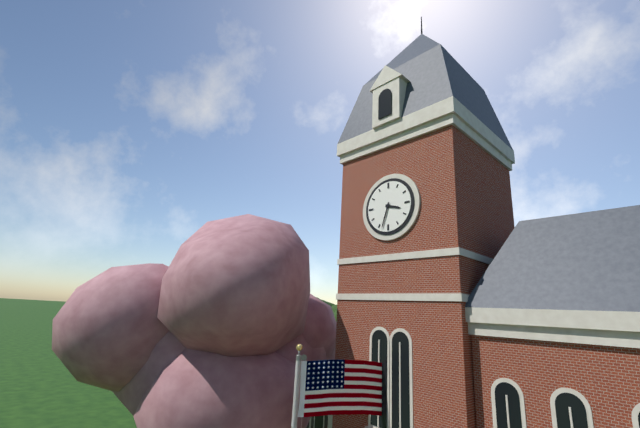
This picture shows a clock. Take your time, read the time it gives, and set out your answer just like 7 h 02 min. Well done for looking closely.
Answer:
3 h 33 min
